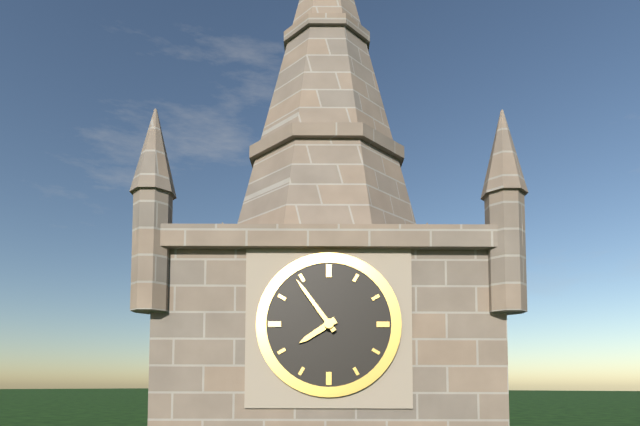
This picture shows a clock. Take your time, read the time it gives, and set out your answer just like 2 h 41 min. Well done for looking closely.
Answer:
7 h 54 min
